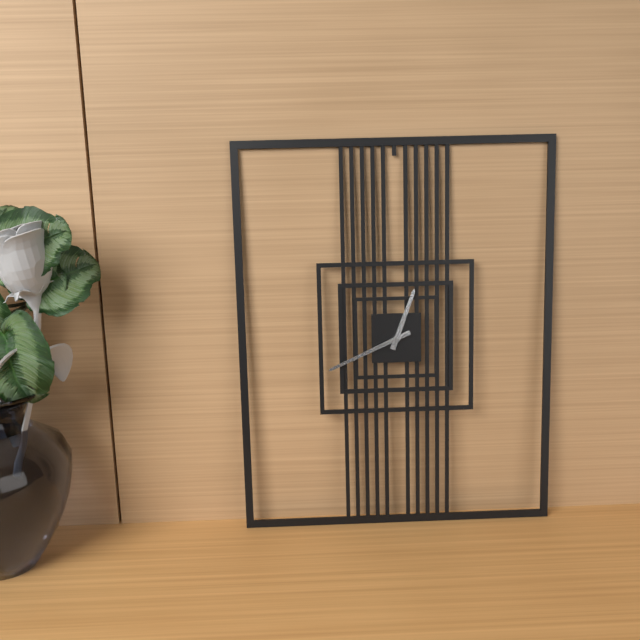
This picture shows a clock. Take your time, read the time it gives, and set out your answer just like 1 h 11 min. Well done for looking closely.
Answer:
12 h 41 min
